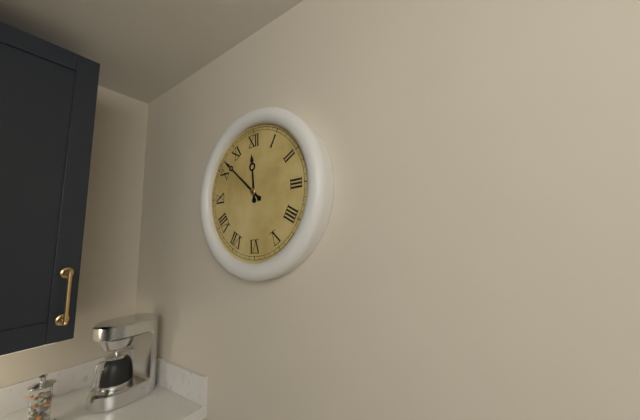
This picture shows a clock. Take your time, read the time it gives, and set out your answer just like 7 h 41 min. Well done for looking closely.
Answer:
11 h 52 min
